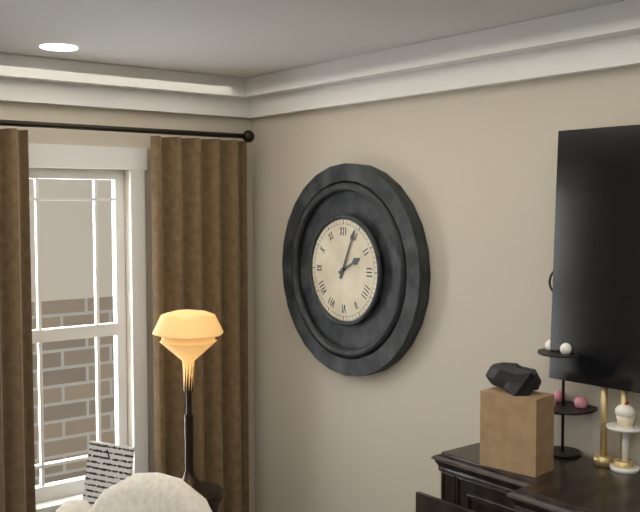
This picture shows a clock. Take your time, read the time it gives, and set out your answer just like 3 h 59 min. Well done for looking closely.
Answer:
2 h 04 min
